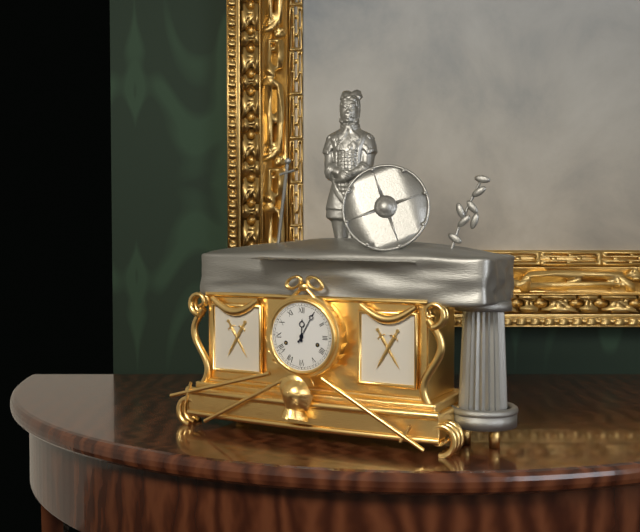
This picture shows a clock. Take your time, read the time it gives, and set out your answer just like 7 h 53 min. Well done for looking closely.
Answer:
12 h 05 min
